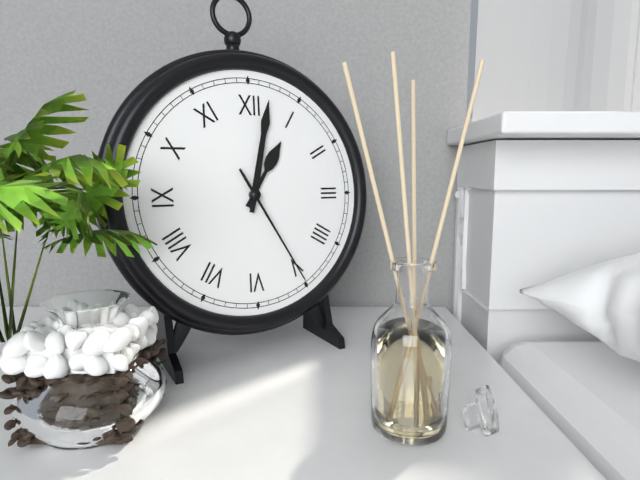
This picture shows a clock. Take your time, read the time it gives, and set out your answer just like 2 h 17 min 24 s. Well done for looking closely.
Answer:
1 h 02 min 25 s
